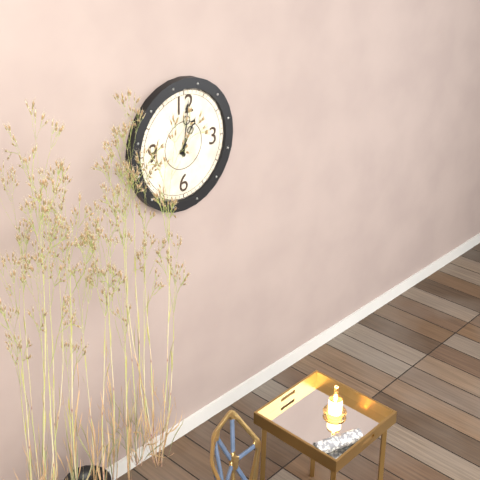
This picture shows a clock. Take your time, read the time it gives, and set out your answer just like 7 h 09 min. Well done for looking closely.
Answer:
1 h 01 min
